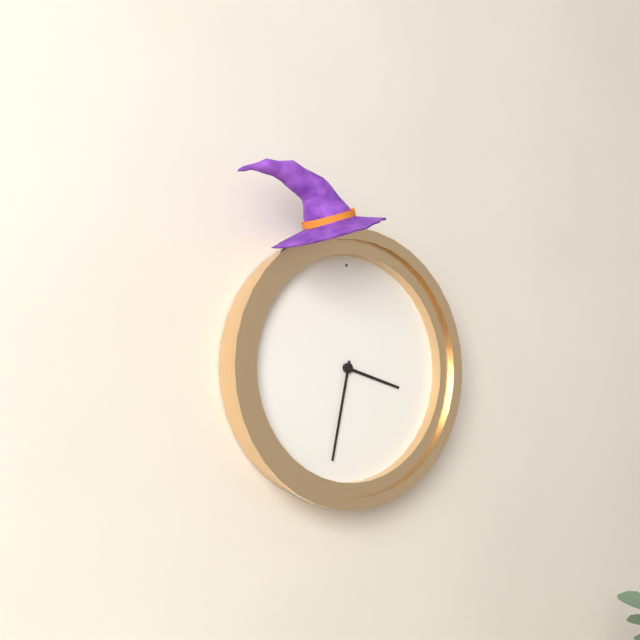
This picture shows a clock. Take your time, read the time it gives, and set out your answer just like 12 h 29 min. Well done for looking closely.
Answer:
3 h 32 min
